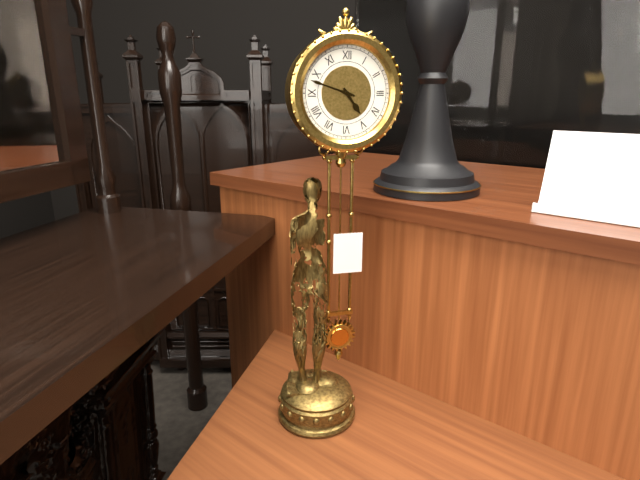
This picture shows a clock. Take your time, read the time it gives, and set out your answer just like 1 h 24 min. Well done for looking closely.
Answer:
4 h 48 min
